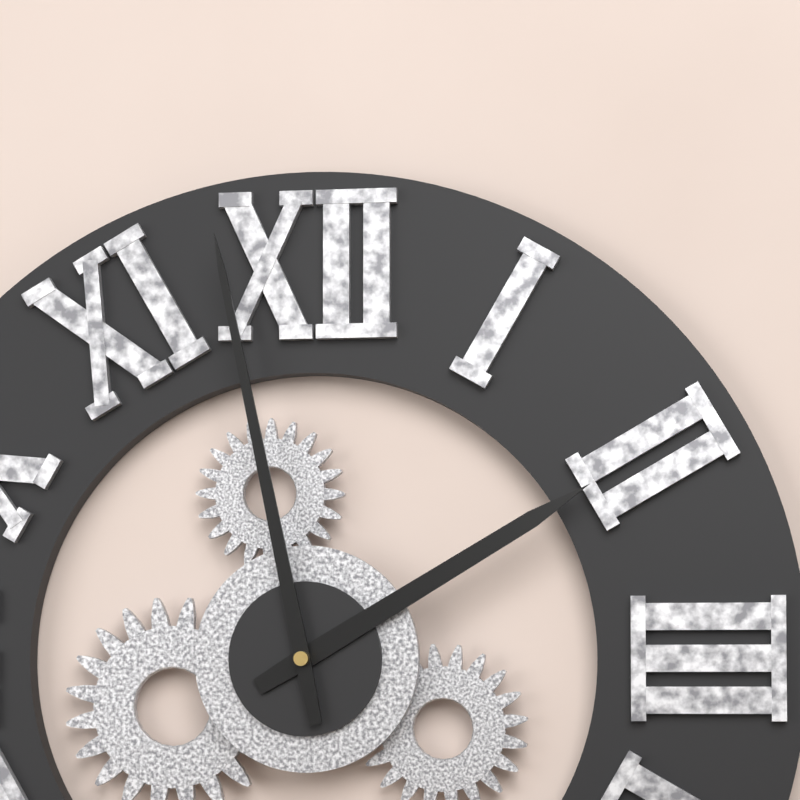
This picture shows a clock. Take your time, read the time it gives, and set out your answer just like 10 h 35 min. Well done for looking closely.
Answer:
1 h 58 min
